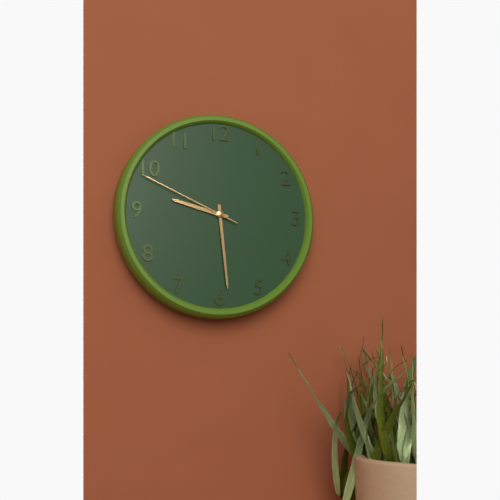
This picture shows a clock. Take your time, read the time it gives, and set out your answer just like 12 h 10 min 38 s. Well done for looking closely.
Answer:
9 h 29 min 49 s
